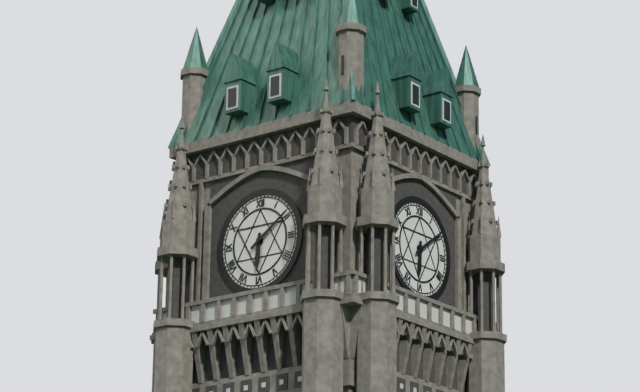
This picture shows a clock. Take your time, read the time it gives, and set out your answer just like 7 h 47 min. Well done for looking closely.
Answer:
6 h 09 min
